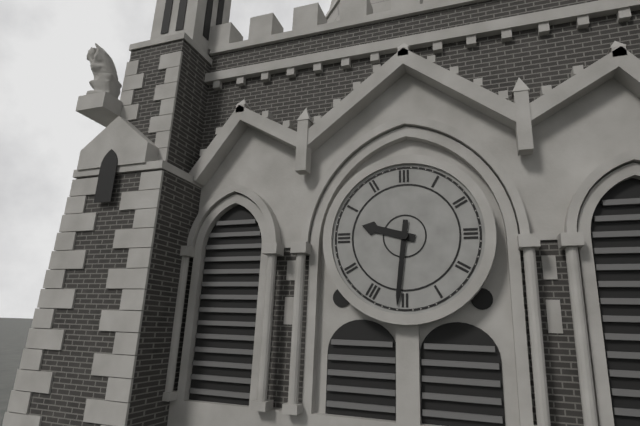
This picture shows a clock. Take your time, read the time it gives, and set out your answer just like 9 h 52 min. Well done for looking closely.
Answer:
9 h 31 min
